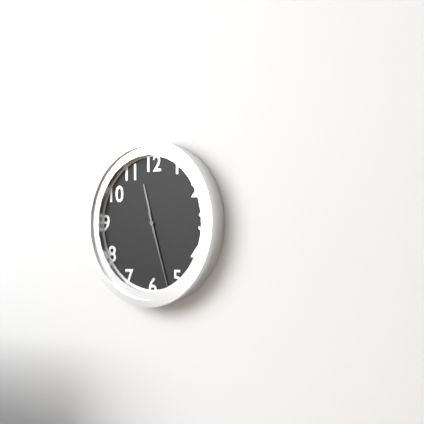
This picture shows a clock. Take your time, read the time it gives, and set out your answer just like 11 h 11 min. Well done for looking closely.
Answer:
11 h 27 min
